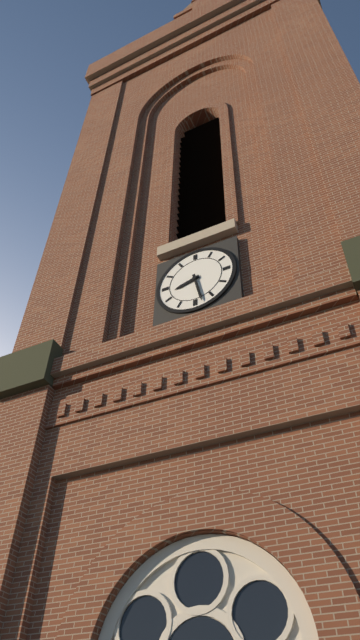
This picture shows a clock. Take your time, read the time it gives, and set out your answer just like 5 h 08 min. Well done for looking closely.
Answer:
8 h 28 min
